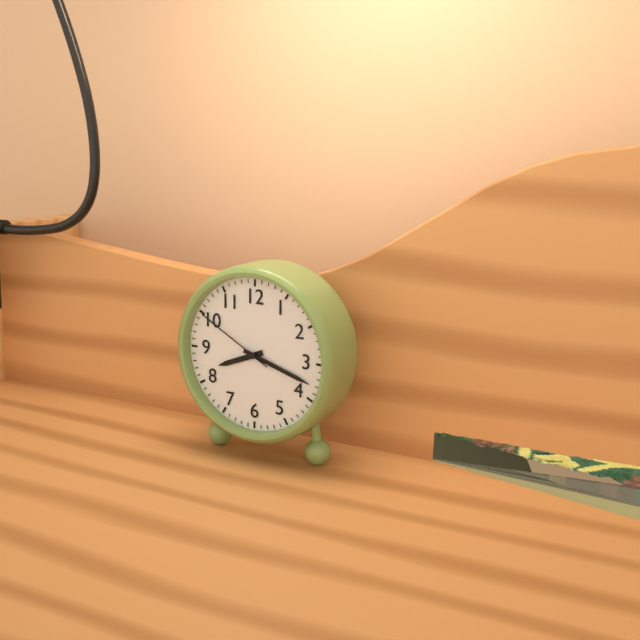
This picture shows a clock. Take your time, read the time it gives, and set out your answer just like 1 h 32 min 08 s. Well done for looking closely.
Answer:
8 h 18 min 50 s
